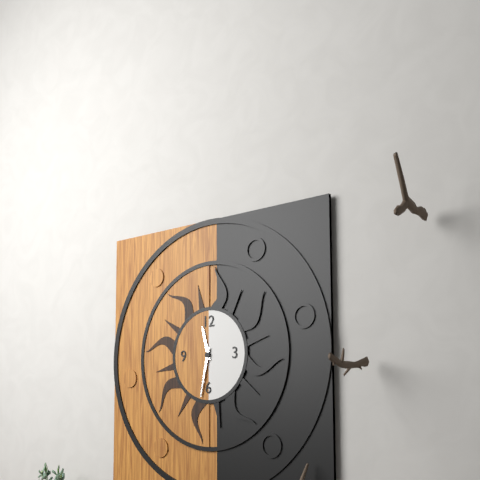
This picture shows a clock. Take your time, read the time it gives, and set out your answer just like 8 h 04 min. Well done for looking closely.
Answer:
11 h 32 min
